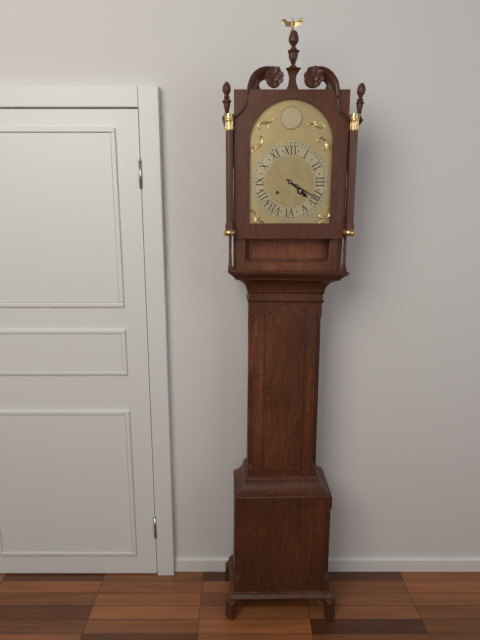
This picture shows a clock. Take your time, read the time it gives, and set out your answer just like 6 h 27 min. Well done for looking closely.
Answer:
4 h 20 min
